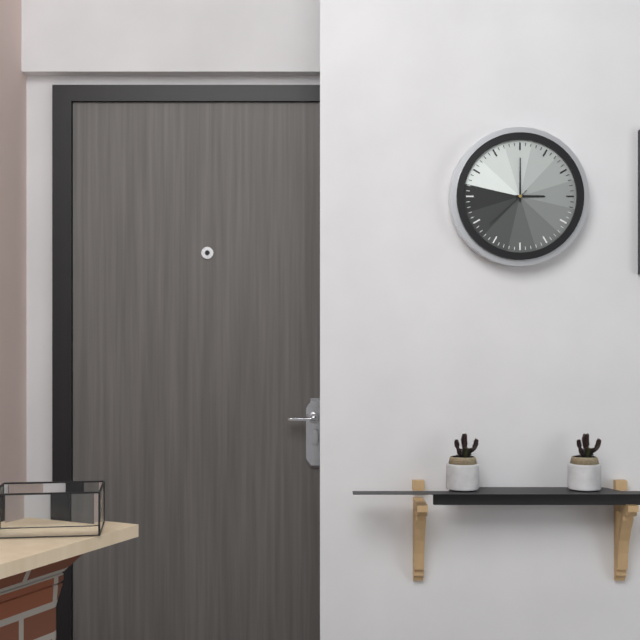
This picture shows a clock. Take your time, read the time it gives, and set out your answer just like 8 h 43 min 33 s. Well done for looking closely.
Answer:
3 h 00 min 38 s
